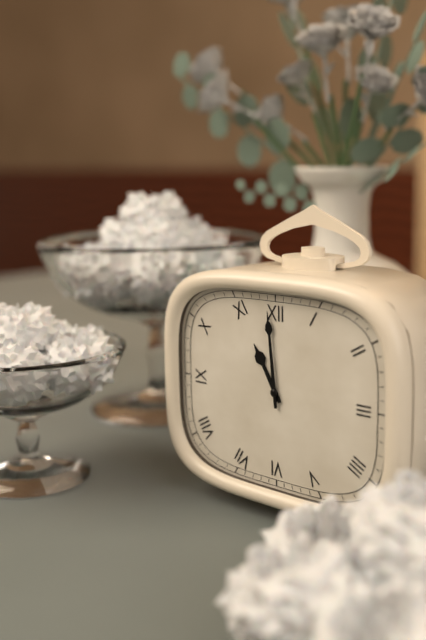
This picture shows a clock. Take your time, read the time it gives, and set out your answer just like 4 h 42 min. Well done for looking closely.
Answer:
10 h 59 min
